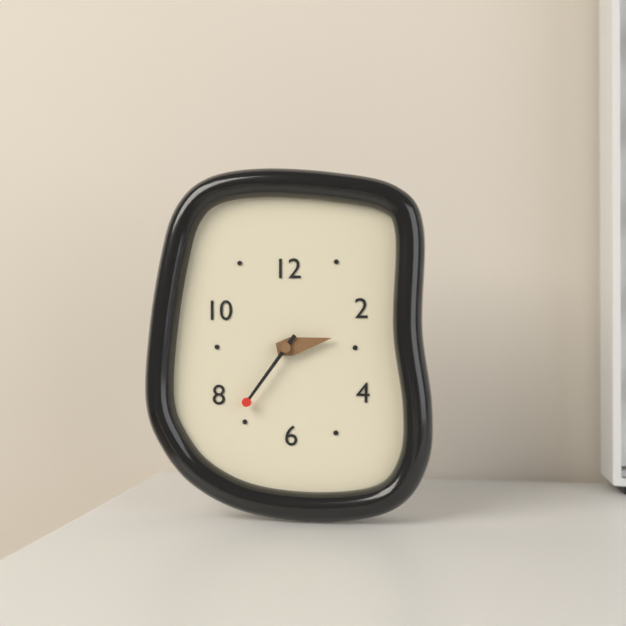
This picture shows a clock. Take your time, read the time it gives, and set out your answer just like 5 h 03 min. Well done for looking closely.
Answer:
2 h 36 min
